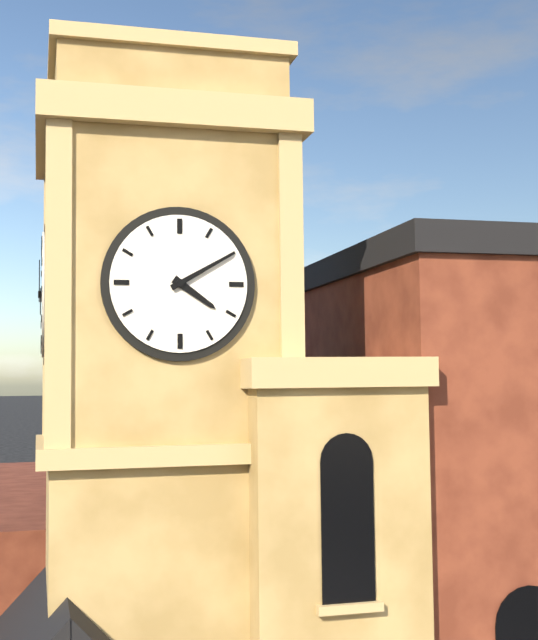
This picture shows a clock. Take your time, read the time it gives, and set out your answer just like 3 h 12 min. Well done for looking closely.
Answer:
4 h 10 min
